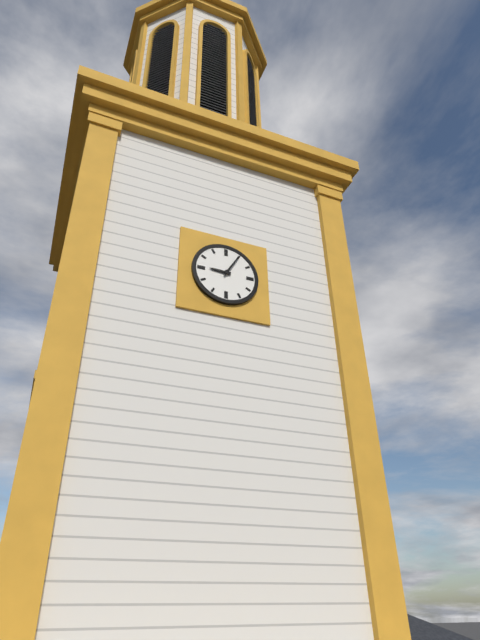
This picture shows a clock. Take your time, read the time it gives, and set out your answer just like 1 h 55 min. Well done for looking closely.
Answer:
9 h 05 min
